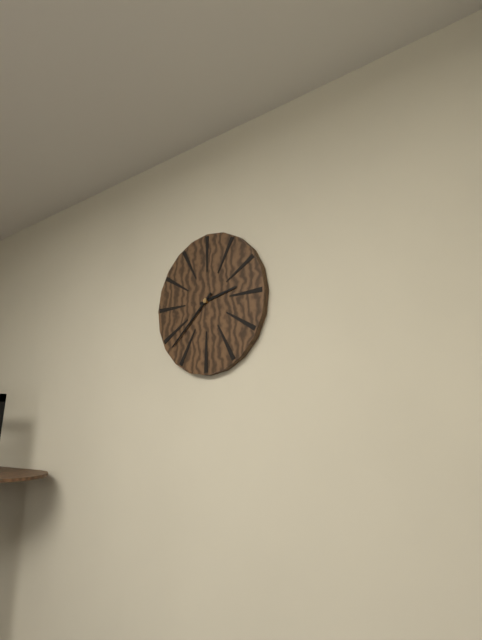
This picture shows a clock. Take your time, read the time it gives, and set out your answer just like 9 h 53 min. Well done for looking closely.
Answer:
2 h 38 min
